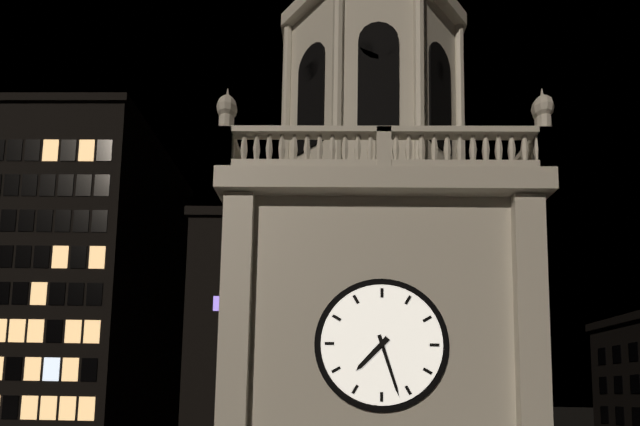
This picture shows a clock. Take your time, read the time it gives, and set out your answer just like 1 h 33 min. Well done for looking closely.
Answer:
7 h 27 min
